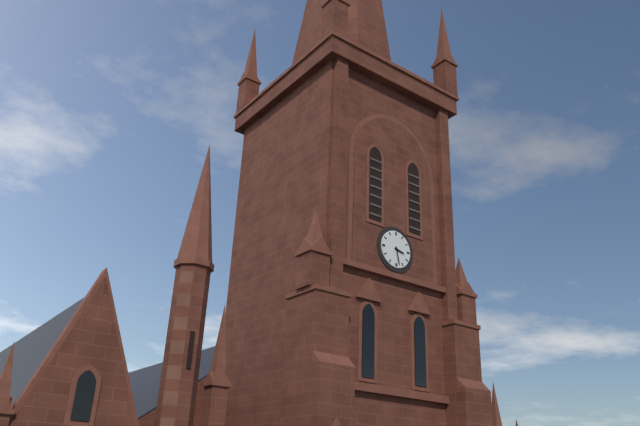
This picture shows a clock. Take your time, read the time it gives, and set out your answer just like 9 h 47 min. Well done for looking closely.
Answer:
3 h 28 min
